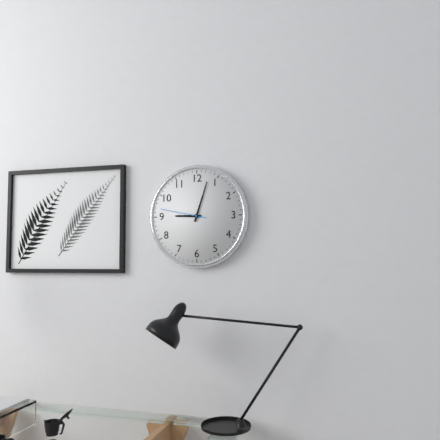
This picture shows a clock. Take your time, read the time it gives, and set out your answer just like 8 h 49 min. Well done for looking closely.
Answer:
9 h 03 min
